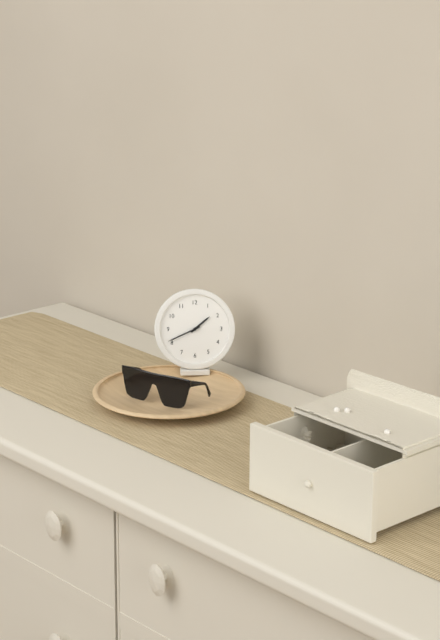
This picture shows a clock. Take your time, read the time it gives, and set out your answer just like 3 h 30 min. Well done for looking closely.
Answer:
1 h 41 min
